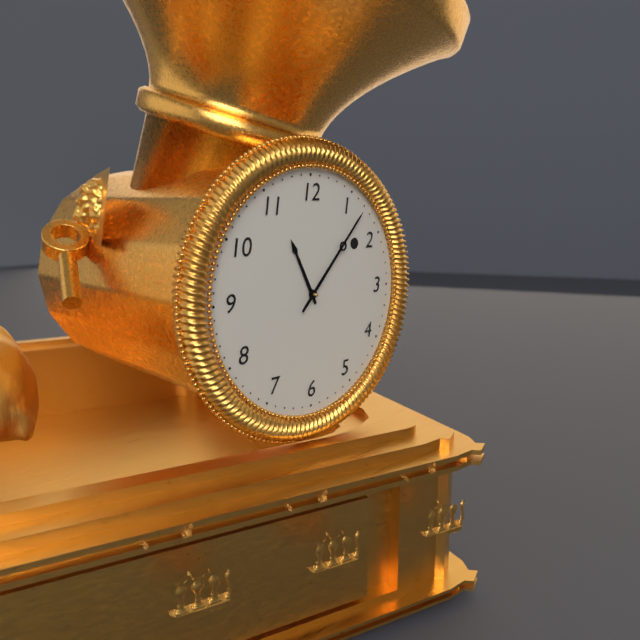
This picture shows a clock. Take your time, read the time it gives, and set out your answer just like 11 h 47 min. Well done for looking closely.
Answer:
11 h 07 min
